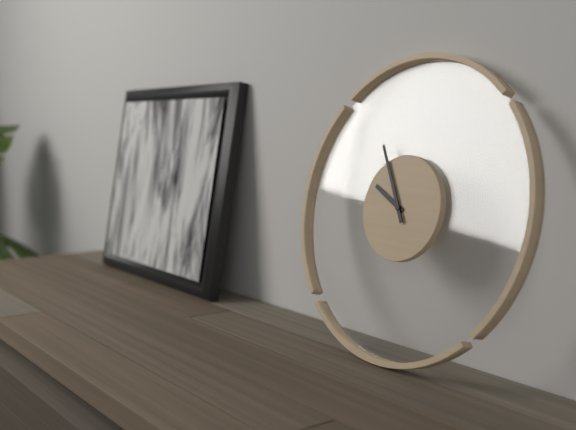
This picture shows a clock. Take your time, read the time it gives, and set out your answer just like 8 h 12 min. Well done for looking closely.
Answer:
9 h 55 min
